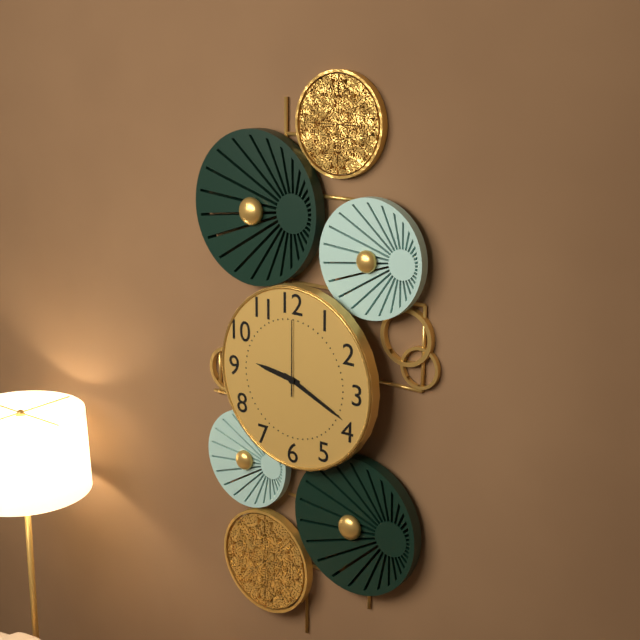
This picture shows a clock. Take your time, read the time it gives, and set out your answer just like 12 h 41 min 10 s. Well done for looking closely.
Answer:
9 h 19 min 00 s
